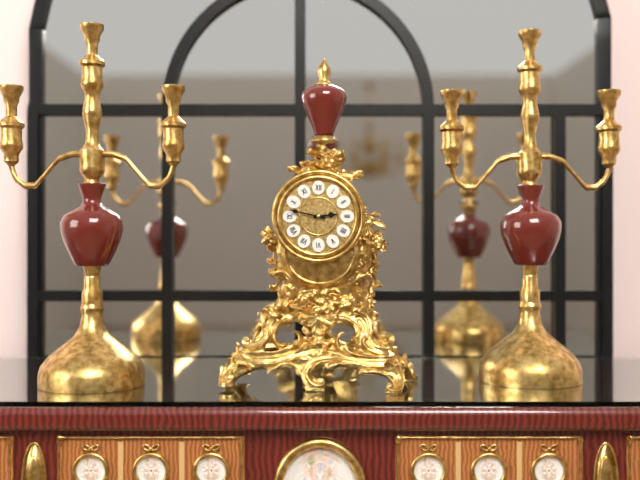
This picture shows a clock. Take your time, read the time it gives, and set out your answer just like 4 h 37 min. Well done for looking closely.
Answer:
2 h 47 min
